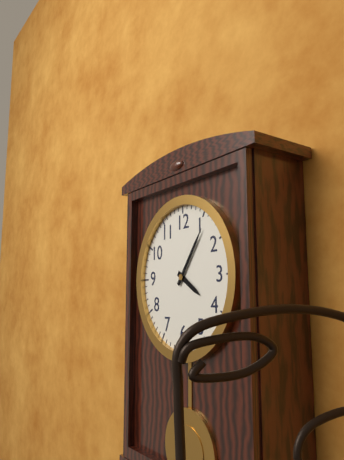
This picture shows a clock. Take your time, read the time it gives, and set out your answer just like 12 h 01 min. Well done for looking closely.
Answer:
4 h 06 min
